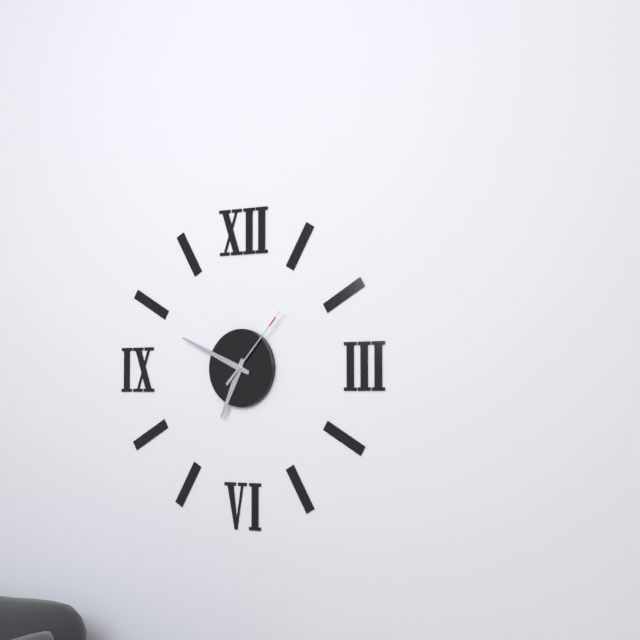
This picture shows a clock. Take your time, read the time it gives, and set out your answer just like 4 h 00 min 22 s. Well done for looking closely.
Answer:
6 h 49 min 07 s
